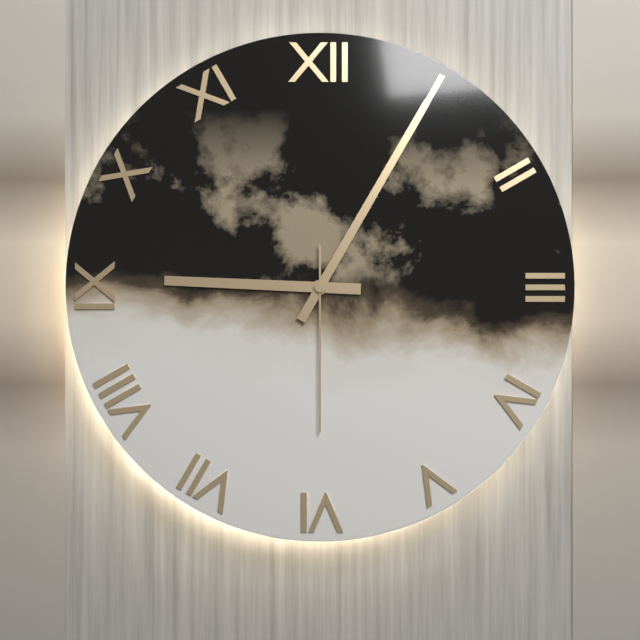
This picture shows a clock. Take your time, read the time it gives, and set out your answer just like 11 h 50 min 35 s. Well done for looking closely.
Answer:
9 h 05 min 30 s
